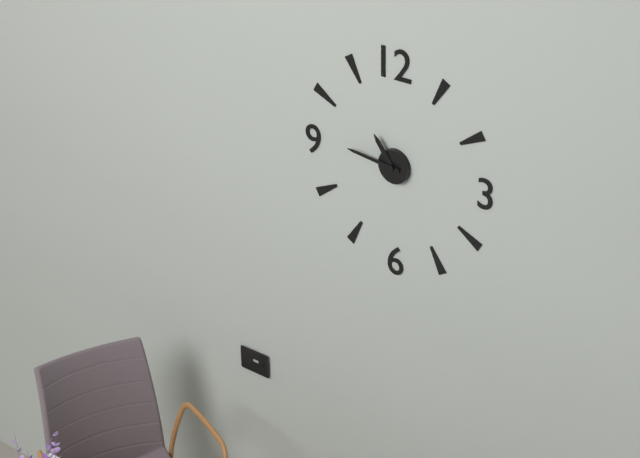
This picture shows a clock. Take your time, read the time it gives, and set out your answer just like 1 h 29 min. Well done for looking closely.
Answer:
10 h 46 min
